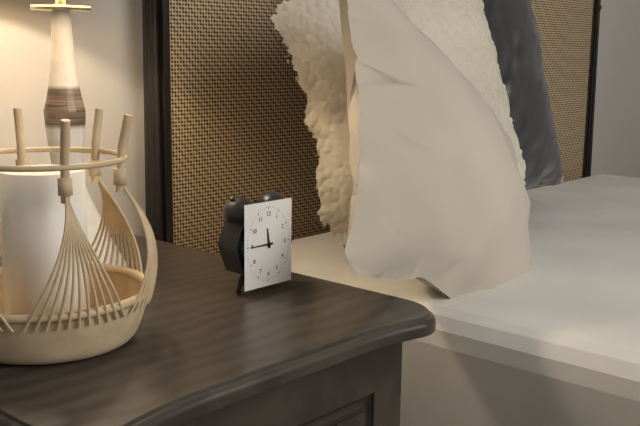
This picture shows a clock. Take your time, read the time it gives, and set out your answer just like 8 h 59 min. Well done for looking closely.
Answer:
11 h 45 min
